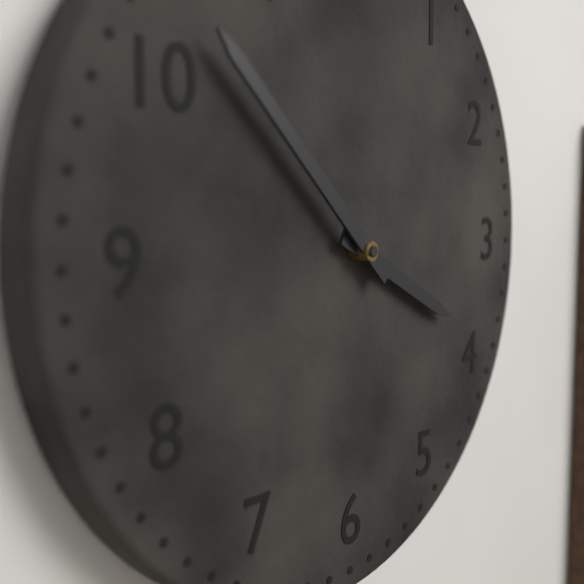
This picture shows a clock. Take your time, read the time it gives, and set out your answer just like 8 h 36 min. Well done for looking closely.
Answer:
3 h 52 min
